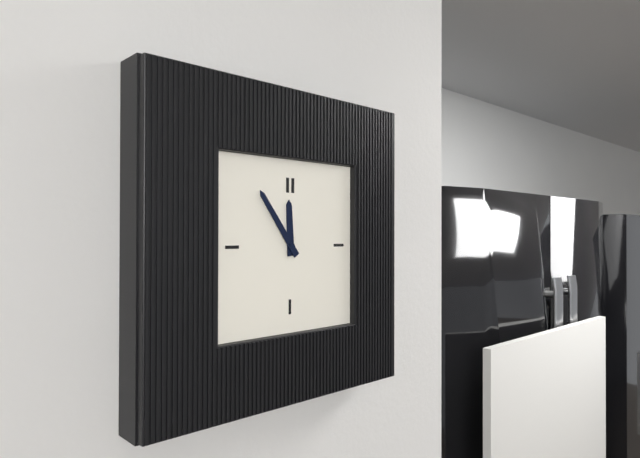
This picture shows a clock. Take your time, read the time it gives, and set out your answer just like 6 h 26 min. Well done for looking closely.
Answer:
11 h 54 min
